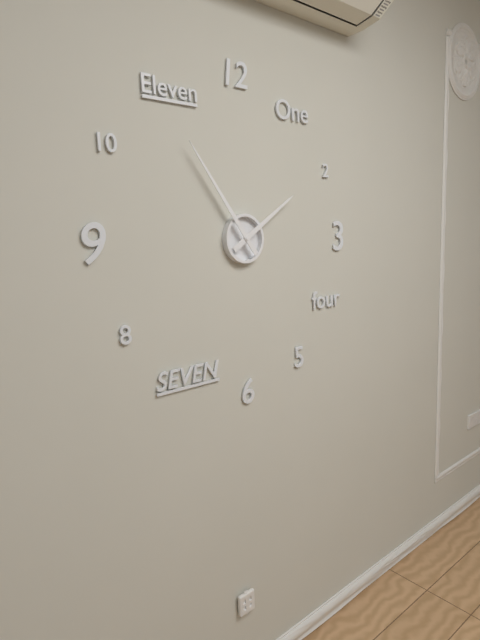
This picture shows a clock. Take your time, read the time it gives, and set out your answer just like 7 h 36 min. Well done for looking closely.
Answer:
1 h 54 min
